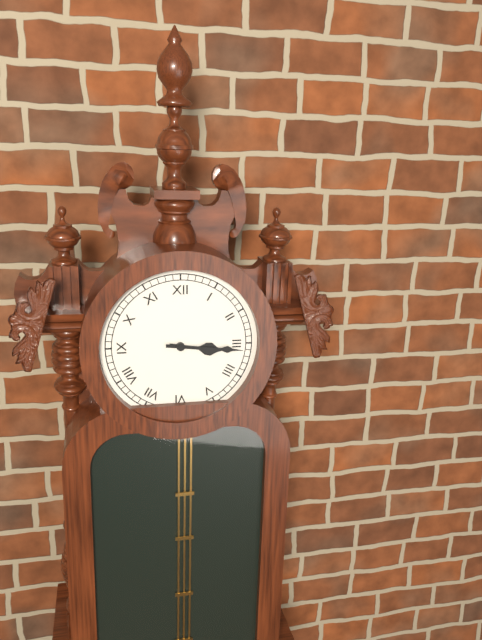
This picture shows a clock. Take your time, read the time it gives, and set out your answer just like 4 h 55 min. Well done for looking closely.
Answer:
3 h 16 min
